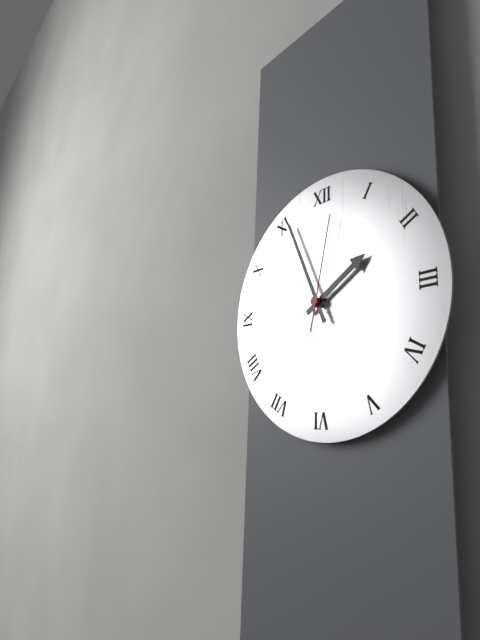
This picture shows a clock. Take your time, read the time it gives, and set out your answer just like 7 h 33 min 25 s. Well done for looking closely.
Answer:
1 h 56 min 02 s
